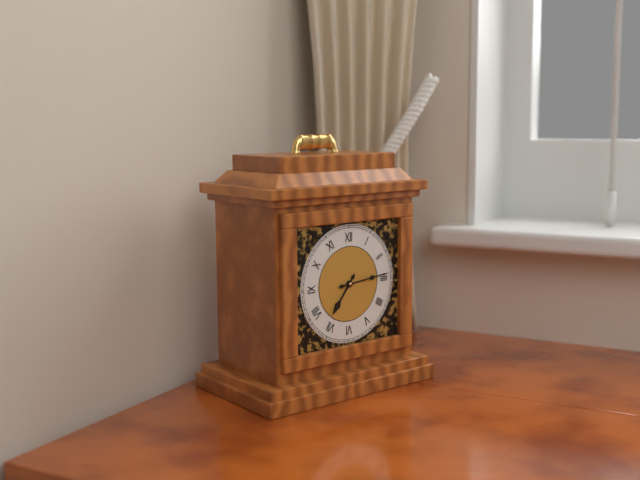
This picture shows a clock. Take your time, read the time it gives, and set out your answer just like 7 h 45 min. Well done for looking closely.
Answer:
7 h 14 min
